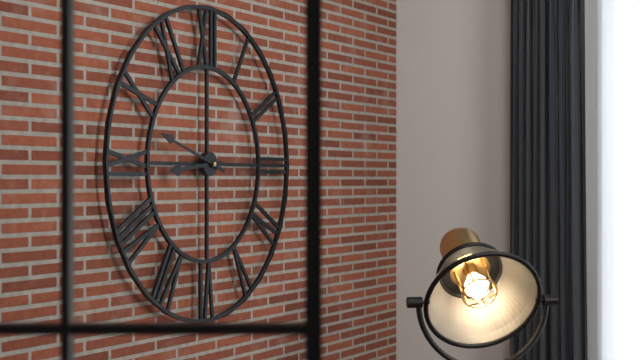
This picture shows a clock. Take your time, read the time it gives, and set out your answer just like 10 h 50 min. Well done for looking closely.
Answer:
8 h 48 min
